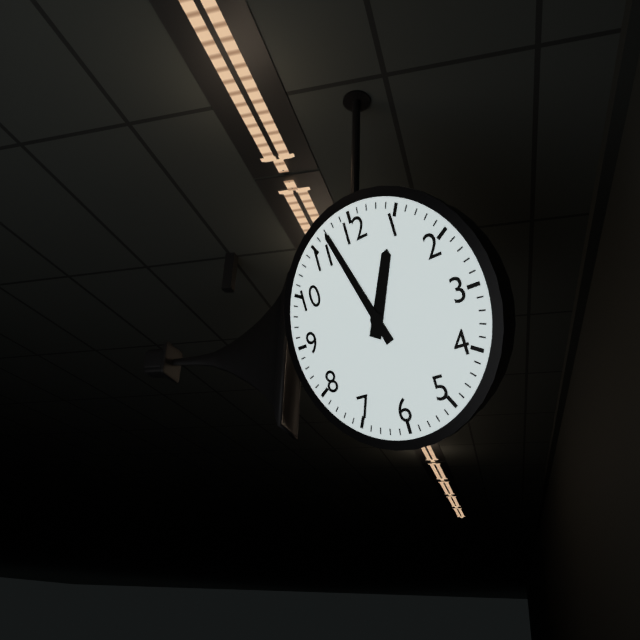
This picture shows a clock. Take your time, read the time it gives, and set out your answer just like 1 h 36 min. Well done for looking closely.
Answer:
12 h 57 min
